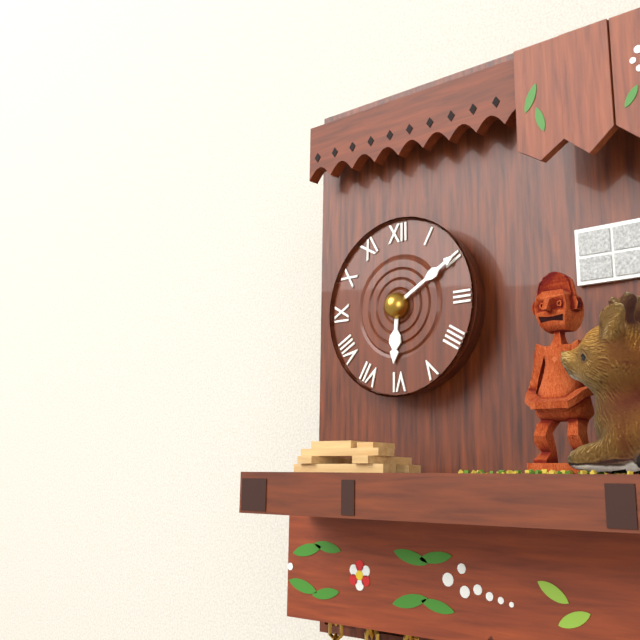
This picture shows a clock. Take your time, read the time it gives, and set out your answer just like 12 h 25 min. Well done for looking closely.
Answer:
6 h 10 min
